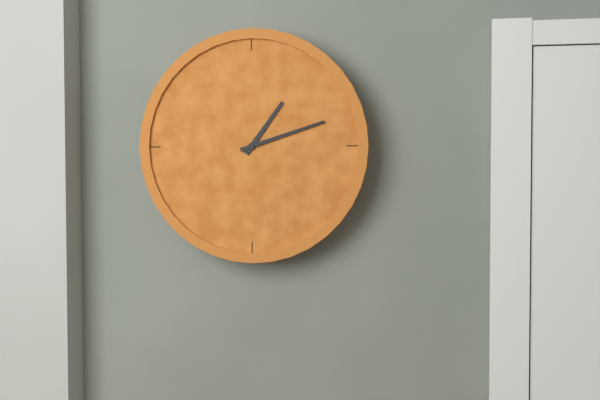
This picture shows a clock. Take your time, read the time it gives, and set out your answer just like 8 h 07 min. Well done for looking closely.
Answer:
1 h 12 min
